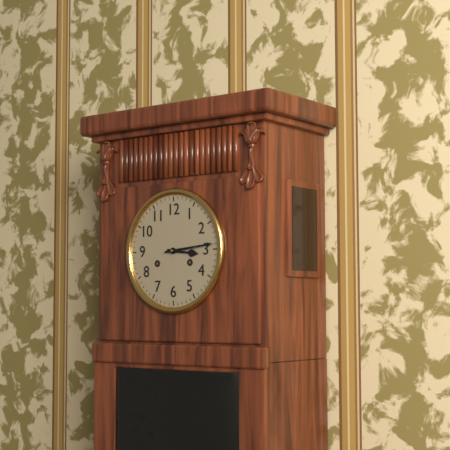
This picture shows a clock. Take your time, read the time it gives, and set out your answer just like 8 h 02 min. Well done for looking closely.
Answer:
3 h 14 min
